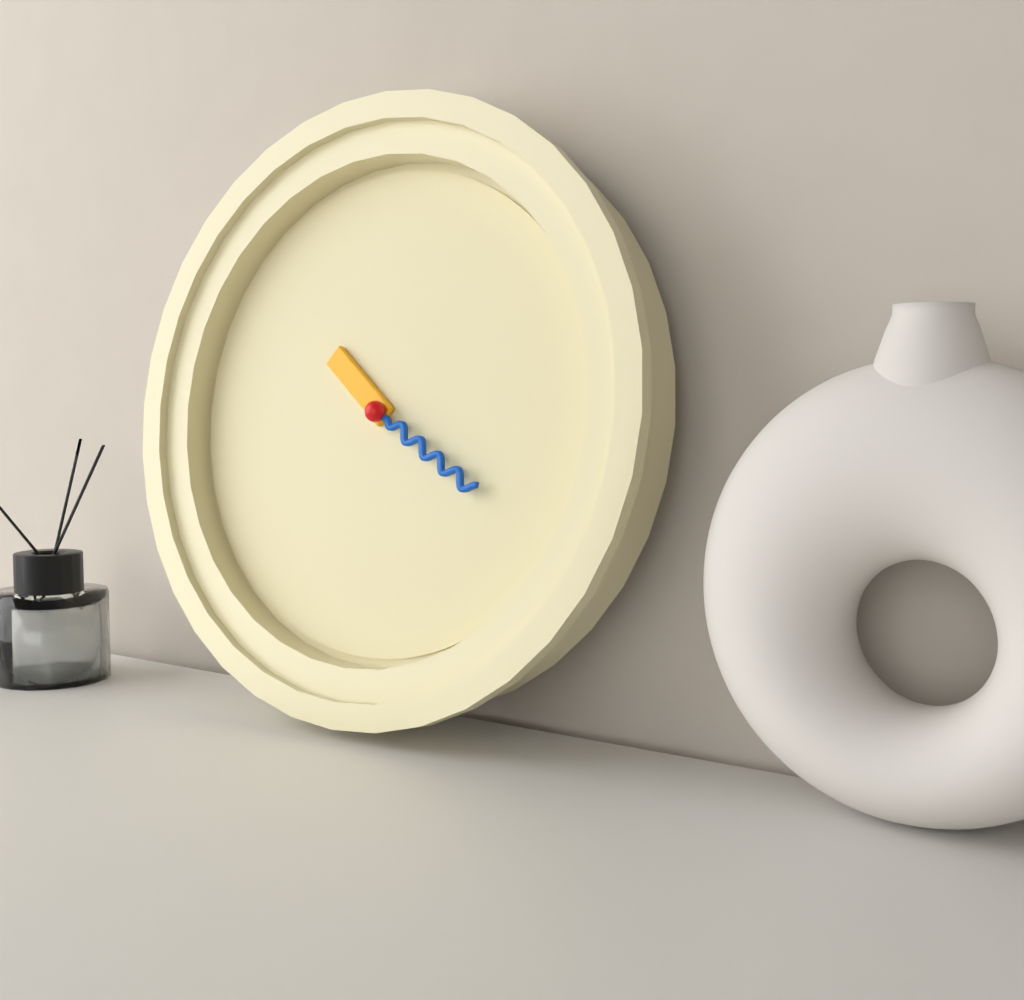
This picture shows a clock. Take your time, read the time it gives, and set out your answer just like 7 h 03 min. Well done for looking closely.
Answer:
10 h 20 min
